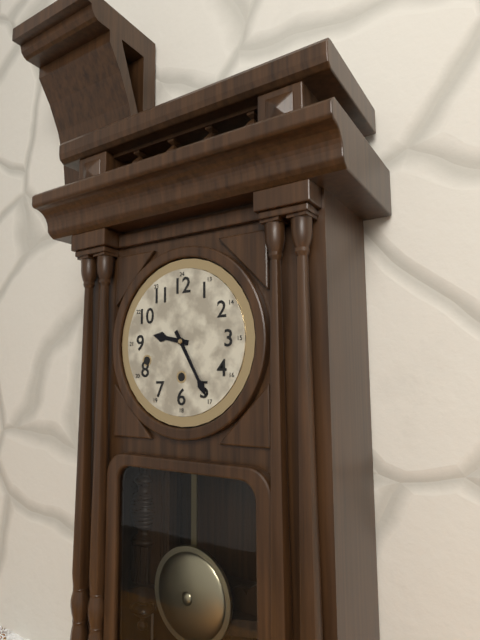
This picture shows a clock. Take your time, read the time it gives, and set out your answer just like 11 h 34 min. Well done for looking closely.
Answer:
9 h 25 min
